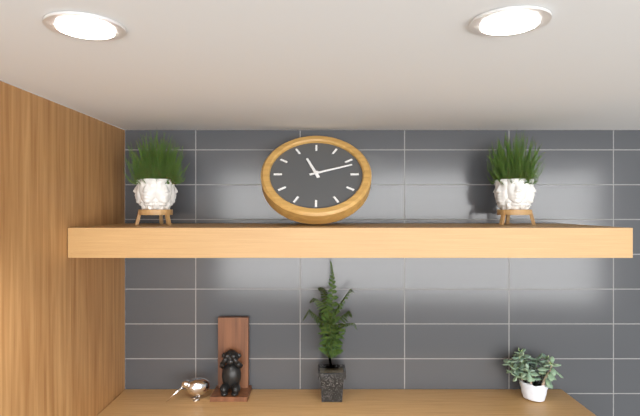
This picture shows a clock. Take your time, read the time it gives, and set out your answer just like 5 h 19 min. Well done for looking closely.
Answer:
11 h 12 min
